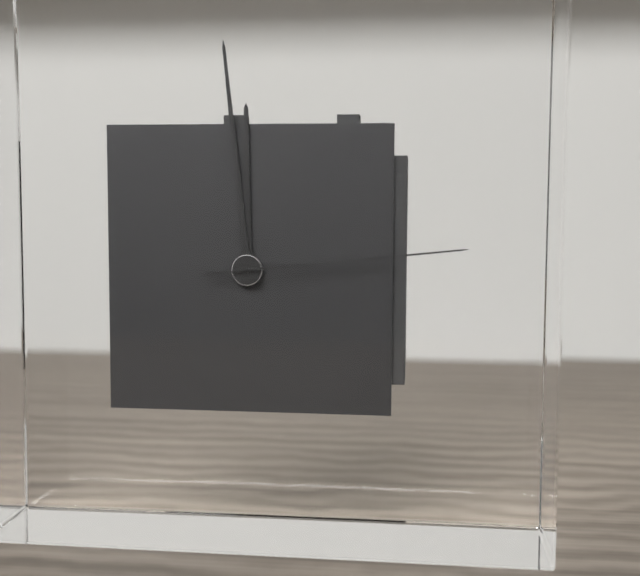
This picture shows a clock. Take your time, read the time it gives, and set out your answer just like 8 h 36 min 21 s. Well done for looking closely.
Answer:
11 h 59 min 14 s
